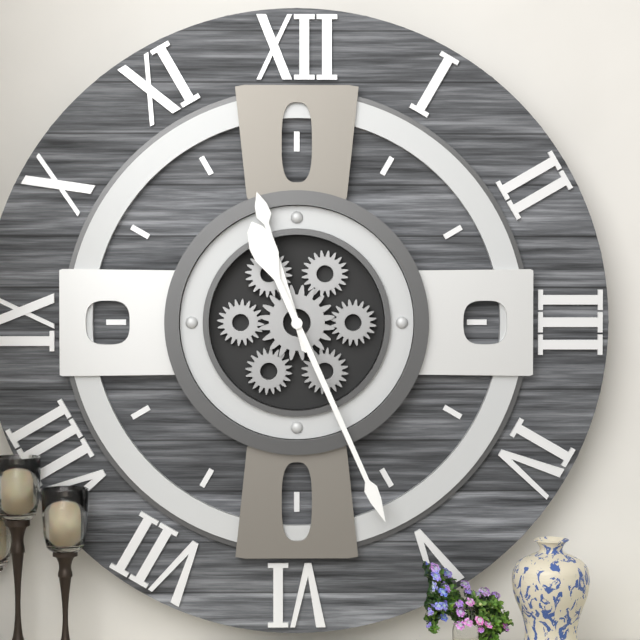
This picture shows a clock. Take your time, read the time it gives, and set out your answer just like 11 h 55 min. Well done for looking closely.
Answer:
11 h 26 min
